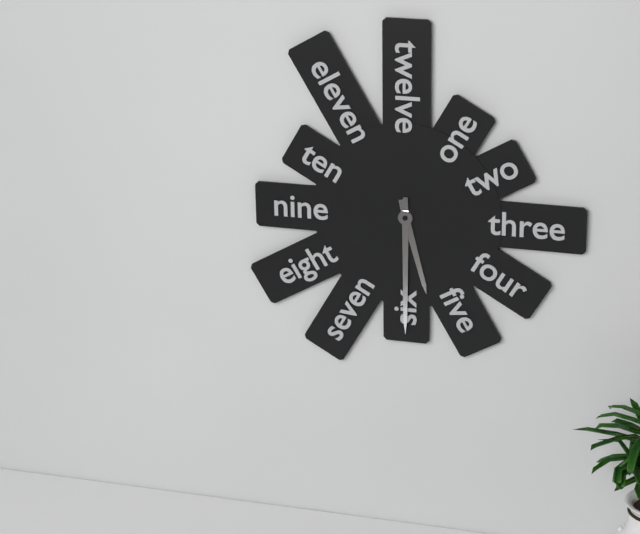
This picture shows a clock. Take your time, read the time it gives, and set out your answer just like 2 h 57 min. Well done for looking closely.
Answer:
5 h 30 min
